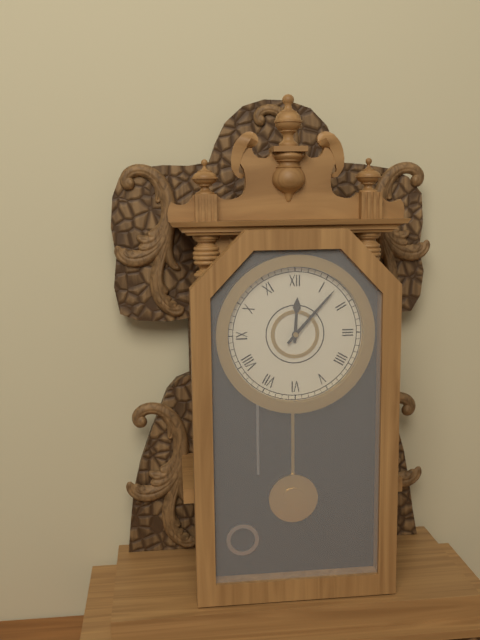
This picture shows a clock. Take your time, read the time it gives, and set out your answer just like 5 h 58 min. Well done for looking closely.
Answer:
12 h 07 min
